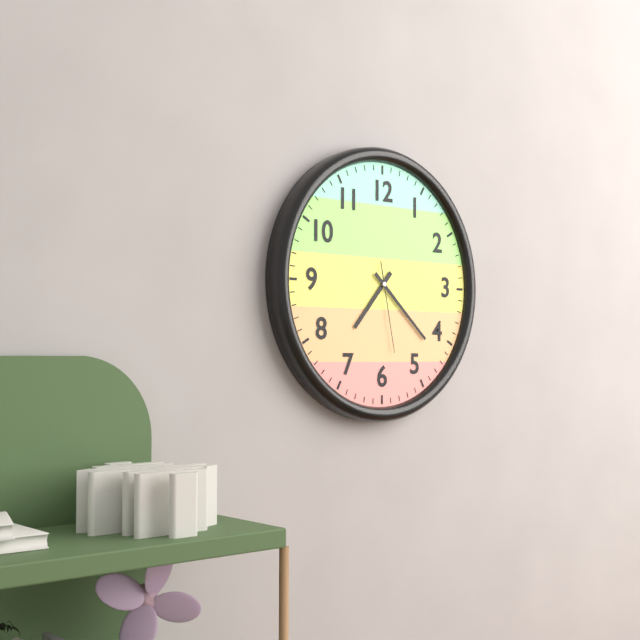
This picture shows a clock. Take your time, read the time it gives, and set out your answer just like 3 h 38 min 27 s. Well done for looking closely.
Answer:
7 h 22 min 28 s
